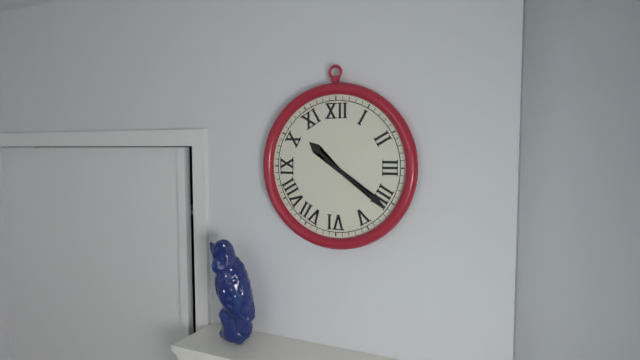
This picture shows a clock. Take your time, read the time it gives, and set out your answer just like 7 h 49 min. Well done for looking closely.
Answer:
10 h 21 min
